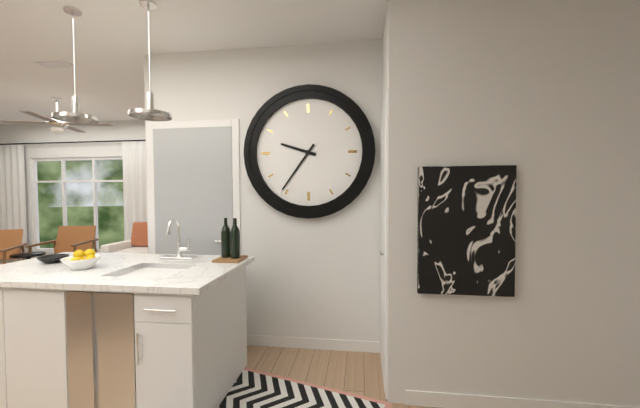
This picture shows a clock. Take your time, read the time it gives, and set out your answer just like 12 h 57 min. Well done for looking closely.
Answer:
9 h 36 min
